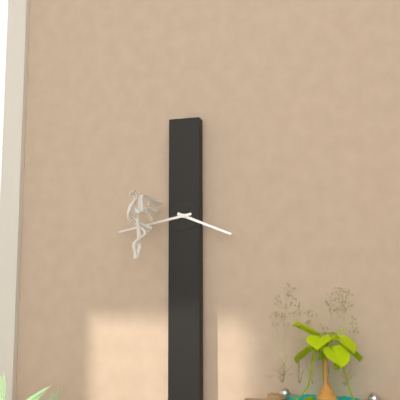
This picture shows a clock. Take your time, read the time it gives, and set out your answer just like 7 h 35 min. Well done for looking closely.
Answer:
3 h 43 min
